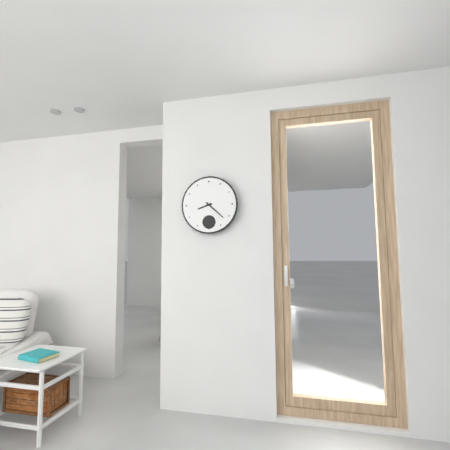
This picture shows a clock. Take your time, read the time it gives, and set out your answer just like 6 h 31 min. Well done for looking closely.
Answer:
8 h 22 min
